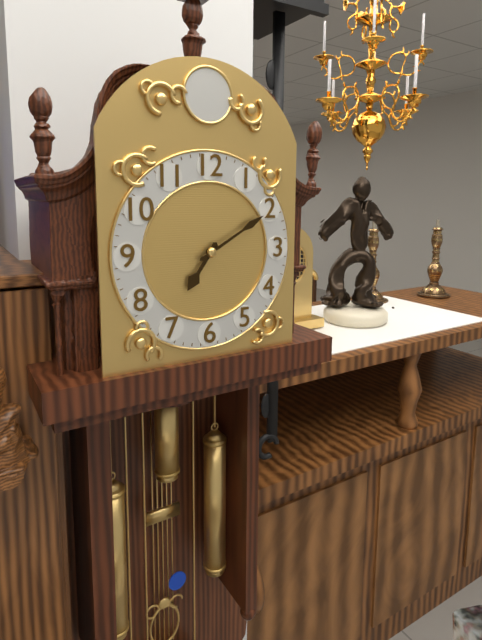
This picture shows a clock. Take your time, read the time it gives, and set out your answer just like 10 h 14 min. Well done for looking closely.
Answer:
7 h 10 min
